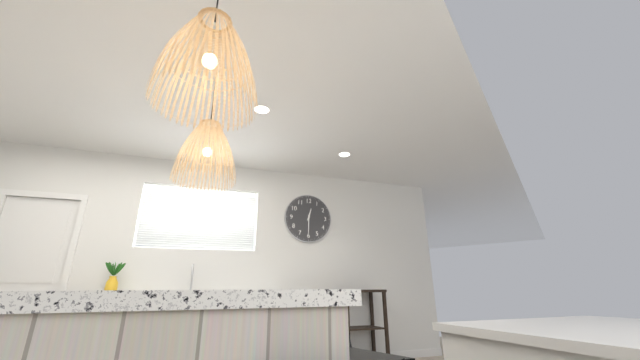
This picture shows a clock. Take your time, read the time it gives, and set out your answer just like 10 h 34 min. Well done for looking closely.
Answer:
12 h 30 min
